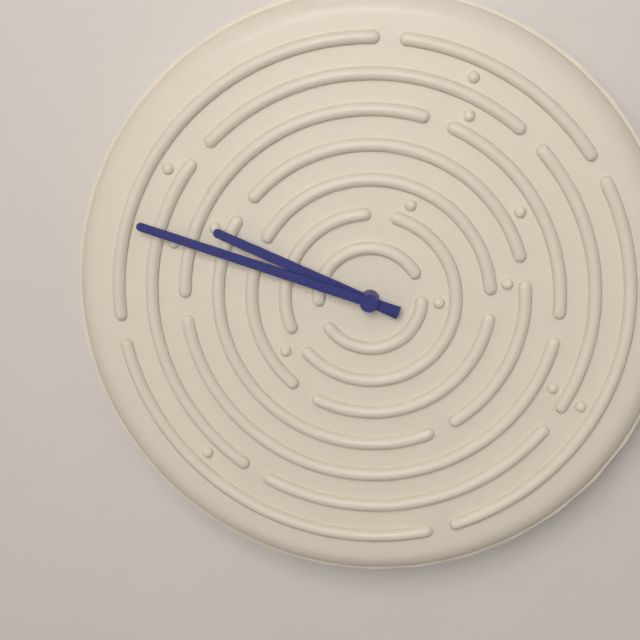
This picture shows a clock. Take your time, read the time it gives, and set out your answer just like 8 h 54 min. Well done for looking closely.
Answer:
9 h 48 min
